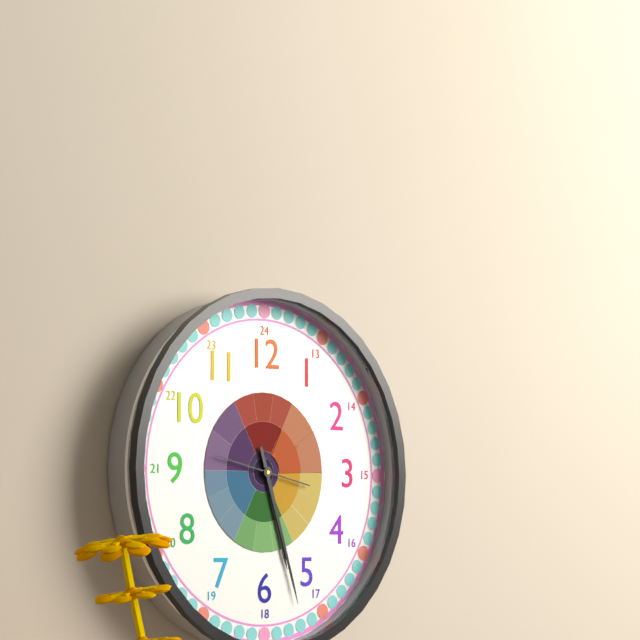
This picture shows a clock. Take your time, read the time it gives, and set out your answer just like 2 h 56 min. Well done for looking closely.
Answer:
5 h 27 min
